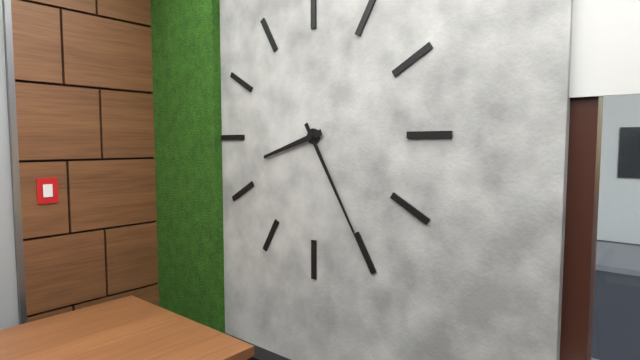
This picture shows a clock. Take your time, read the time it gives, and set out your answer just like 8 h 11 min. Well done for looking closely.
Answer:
8 h 25 min
